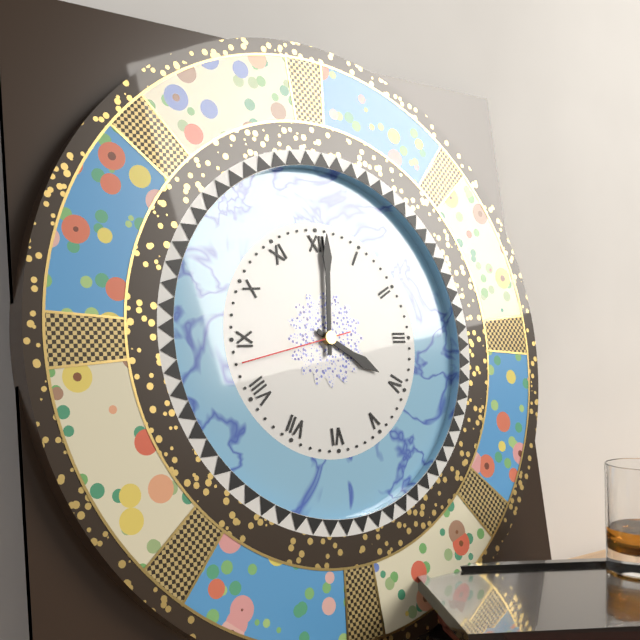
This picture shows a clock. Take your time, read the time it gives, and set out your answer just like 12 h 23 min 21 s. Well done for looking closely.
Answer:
4 h 01 min 43 s
